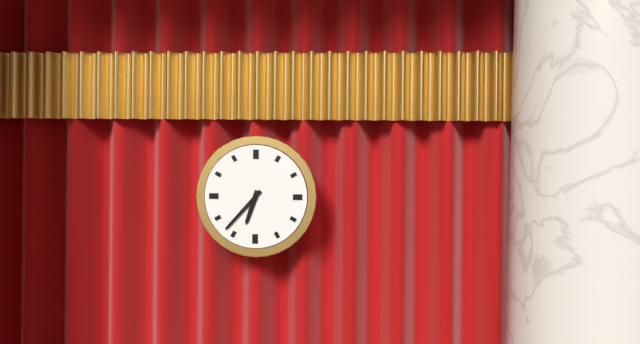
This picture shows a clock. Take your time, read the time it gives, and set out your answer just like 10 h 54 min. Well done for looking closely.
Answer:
6 h 37 min
